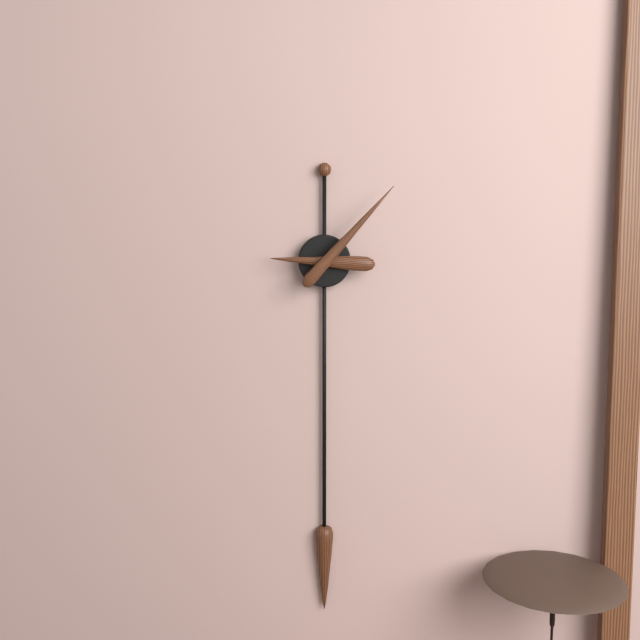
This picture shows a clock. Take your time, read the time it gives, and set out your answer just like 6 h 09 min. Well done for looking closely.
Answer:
9 h 07 min
